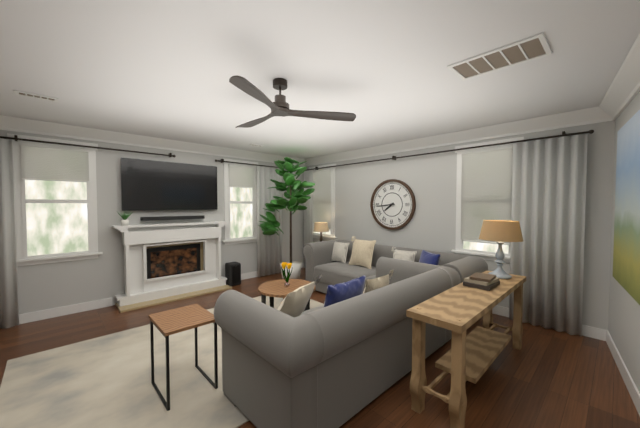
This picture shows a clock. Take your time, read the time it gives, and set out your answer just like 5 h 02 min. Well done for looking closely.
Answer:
7 h 44 min
